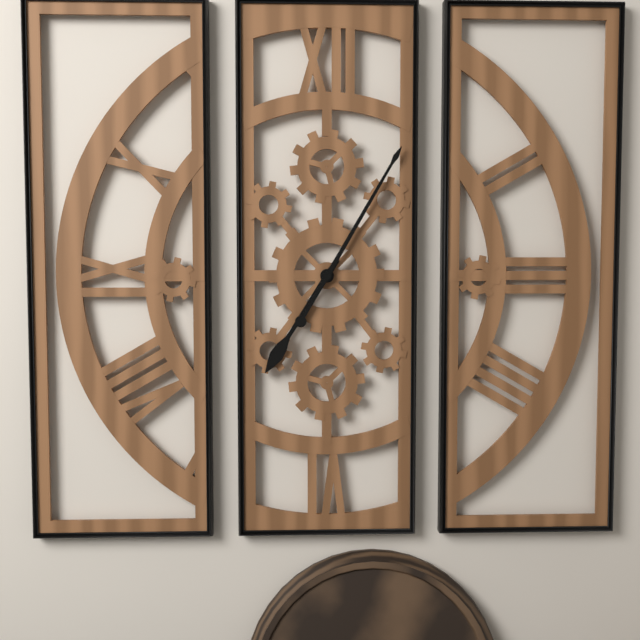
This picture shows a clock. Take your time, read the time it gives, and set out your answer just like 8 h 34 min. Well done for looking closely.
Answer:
7 h 05 min
